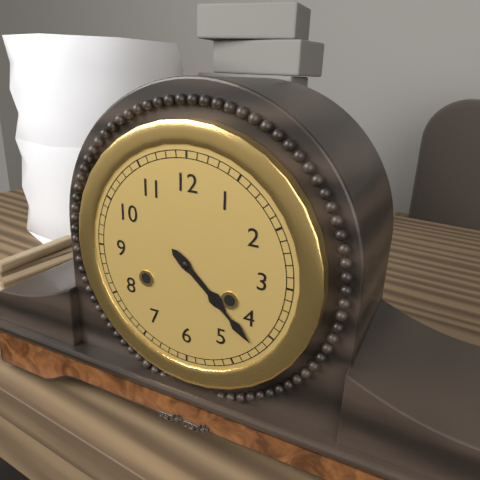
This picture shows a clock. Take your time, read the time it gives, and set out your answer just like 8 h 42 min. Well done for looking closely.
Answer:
4 h 22 min
